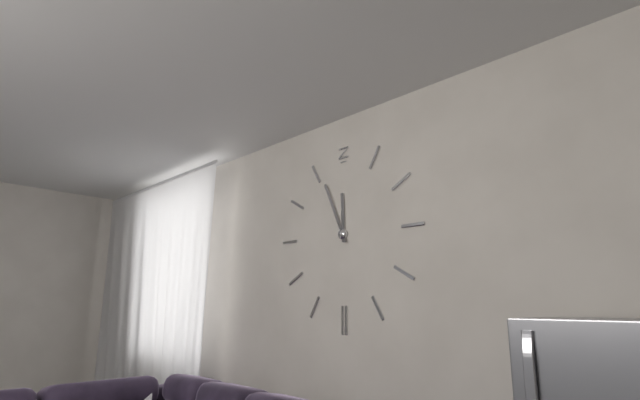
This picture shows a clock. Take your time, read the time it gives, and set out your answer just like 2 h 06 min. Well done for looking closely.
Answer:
11 h 56 min
